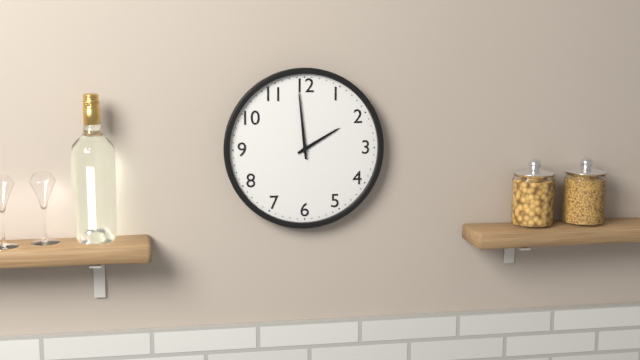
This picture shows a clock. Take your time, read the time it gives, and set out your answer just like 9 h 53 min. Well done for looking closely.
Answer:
1 h 59 min
